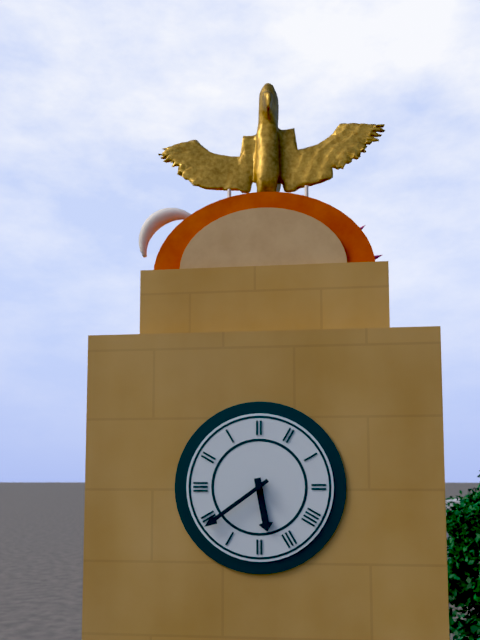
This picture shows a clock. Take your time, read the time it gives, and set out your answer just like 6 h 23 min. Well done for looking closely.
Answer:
5 h 39 min
